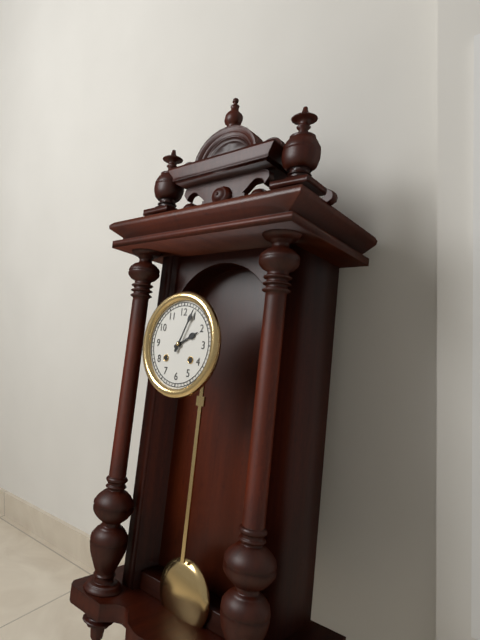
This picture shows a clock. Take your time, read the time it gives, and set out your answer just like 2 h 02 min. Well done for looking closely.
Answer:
2 h 04 min
